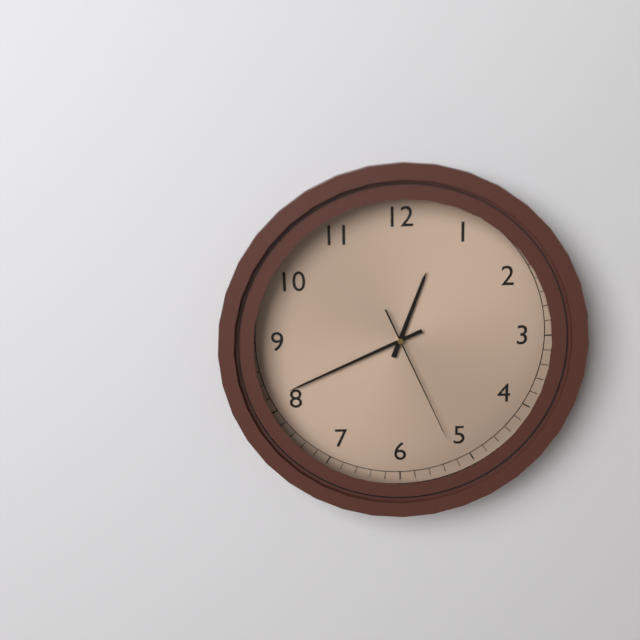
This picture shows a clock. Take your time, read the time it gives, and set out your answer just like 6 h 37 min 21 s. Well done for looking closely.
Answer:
12 h 41 min 26 s
